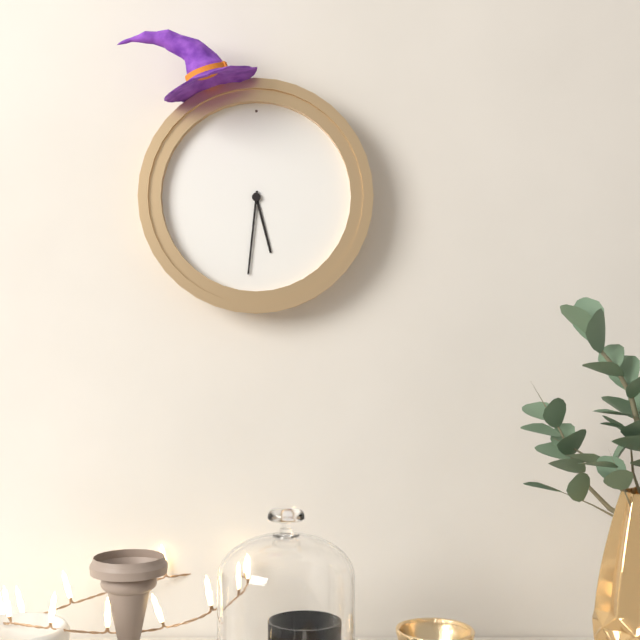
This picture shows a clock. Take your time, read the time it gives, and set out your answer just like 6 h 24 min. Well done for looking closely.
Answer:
5 h 31 min
